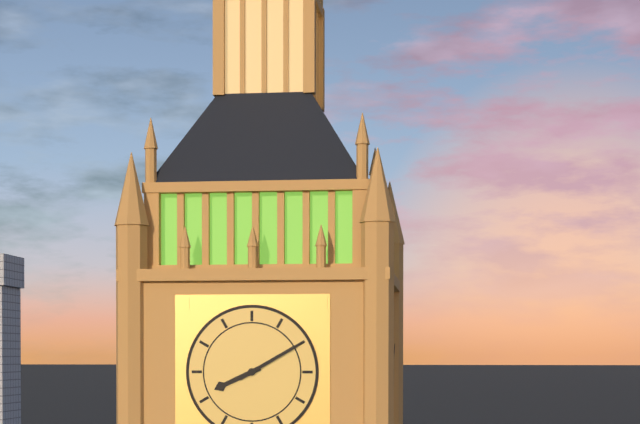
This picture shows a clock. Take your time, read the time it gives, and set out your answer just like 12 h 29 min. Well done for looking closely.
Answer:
8 h 10 min
